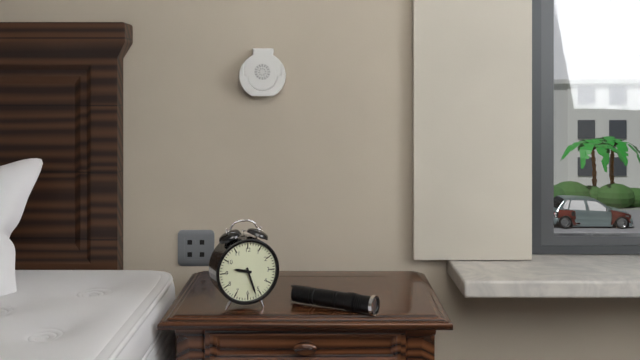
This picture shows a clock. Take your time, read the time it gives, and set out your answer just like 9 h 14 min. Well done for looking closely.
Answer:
9 h 27 min
